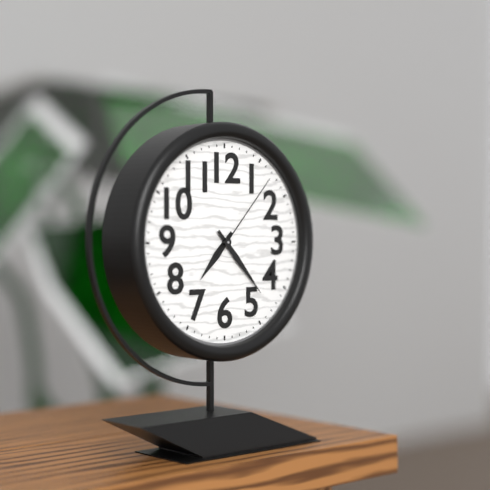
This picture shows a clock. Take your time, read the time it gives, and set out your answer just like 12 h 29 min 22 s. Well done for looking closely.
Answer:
7 h 23 min 07 s
